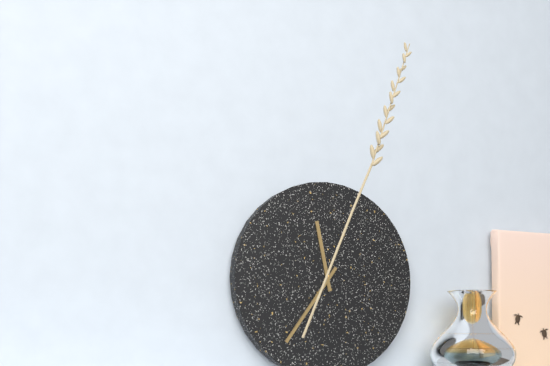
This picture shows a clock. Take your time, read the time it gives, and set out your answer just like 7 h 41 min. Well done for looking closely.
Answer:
11 h 36 min
